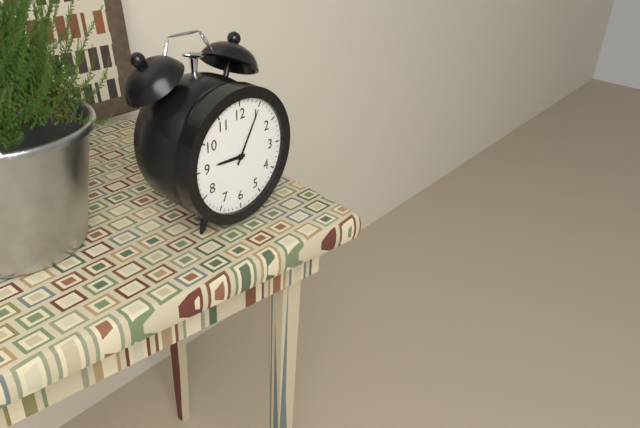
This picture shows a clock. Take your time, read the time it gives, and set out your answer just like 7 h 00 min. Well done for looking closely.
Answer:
9 h 05 min
